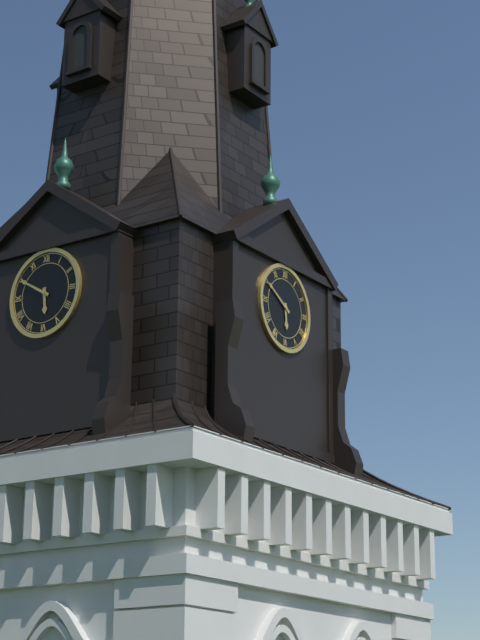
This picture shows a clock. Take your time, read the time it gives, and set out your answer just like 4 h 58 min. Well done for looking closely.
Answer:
5 h 50 min
